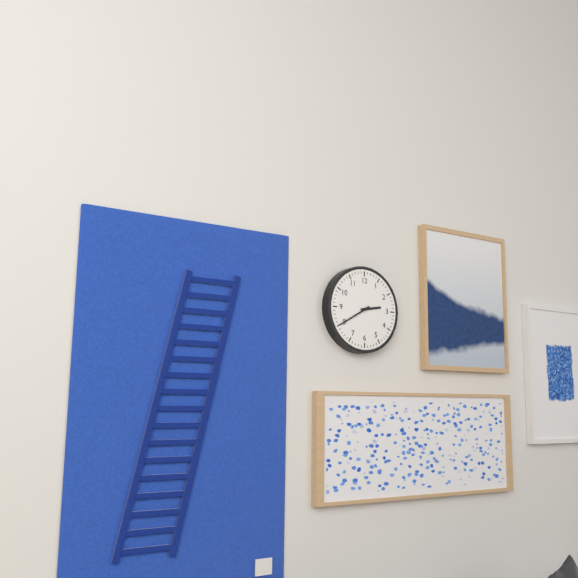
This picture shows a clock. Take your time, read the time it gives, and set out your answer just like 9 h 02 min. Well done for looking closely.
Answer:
2 h 40 min
